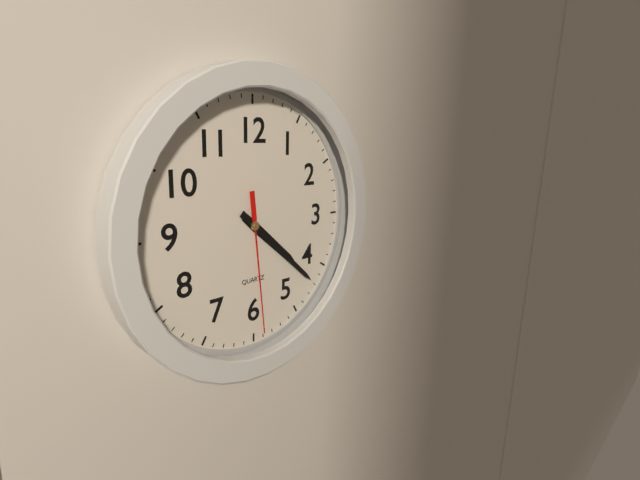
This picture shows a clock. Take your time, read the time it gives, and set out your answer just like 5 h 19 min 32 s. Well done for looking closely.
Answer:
4 h 22 min 29 s
